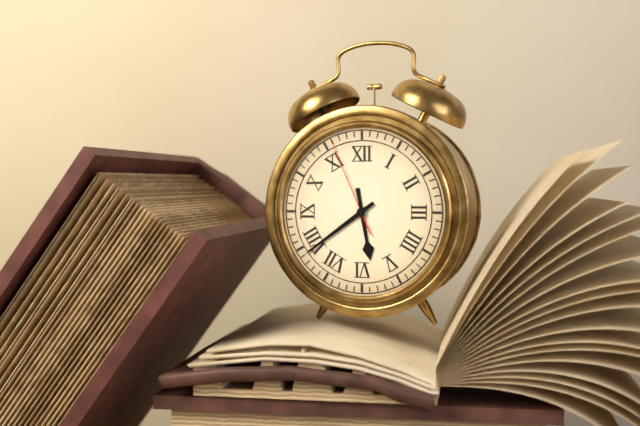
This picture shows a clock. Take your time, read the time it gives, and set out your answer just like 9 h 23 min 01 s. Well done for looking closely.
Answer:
5 h 39 min 56 s
